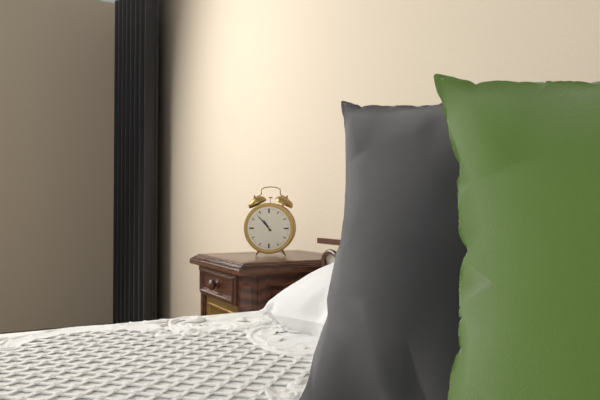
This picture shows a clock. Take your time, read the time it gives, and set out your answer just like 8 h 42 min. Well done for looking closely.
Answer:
10 h 53 min
